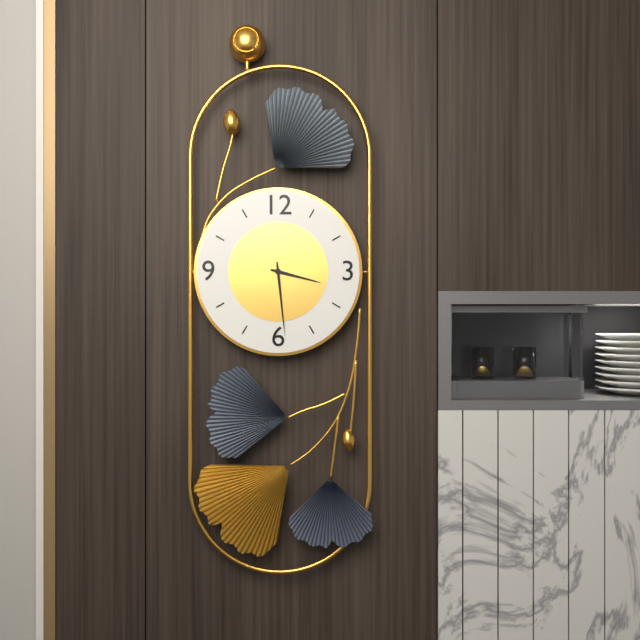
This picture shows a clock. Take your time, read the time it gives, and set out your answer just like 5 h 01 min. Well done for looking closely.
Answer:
3 h 29 min
